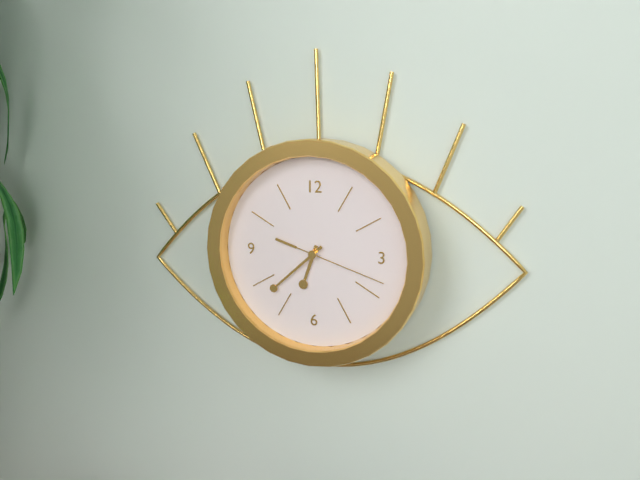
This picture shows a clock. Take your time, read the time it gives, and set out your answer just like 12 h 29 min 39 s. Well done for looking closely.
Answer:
6 h 38 min 18 s
